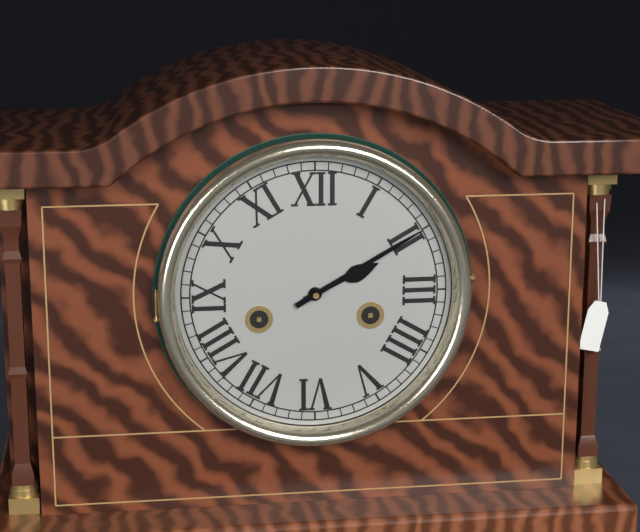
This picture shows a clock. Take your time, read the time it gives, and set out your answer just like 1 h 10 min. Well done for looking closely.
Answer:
2 h 10 min
